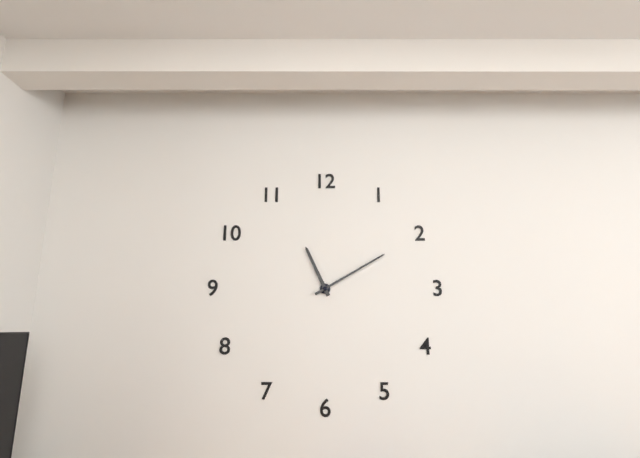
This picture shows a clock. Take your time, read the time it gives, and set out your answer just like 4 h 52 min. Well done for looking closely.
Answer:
11 h 10 min
